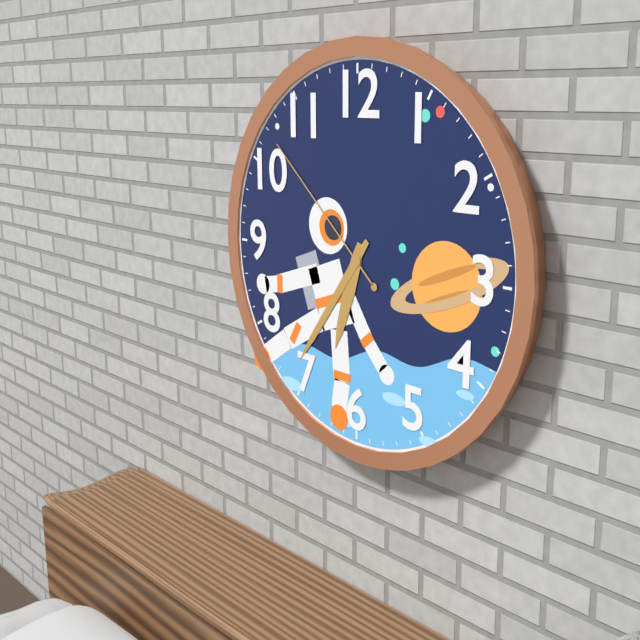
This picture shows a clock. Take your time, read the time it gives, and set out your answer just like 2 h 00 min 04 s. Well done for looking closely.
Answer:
6 h 36 min 52 s
